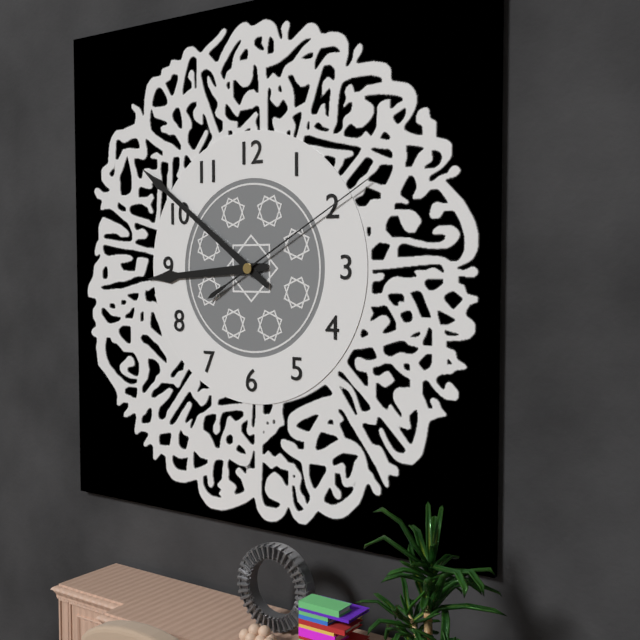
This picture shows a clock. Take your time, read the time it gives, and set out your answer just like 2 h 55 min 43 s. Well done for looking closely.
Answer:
8 h 51 min 10 s
